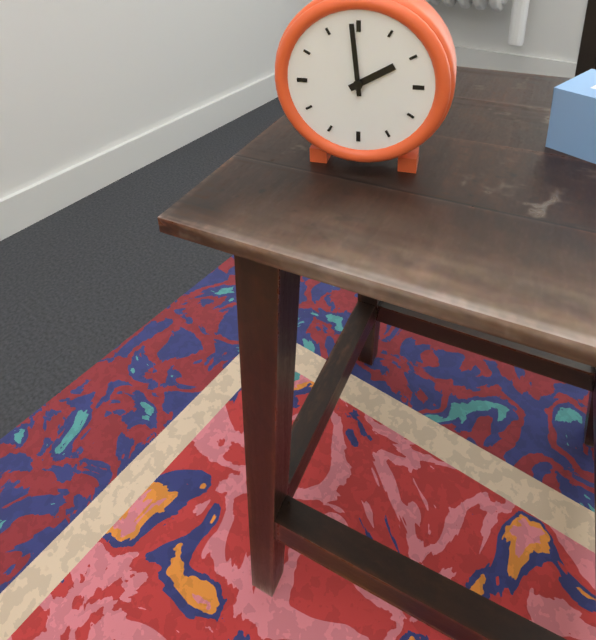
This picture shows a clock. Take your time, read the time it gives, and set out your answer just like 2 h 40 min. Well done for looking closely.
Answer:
1 h 59 min
